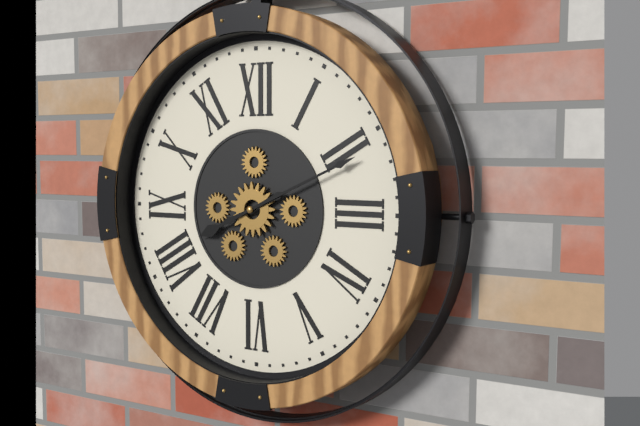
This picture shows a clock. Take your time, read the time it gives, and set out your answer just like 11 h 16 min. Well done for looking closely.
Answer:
8 h 11 min
